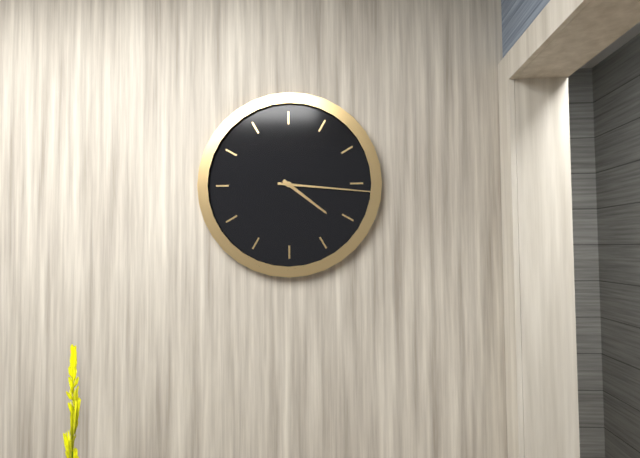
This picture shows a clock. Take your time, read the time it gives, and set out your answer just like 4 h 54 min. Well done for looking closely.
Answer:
4 h 16 min
